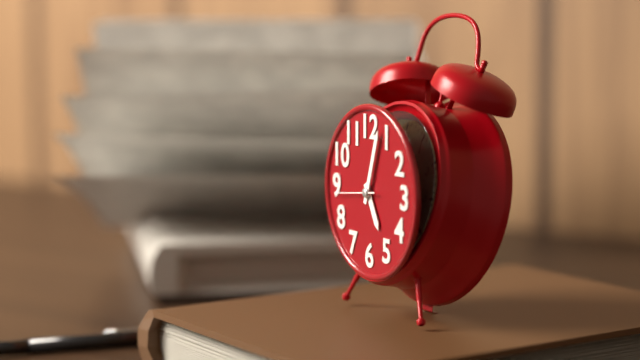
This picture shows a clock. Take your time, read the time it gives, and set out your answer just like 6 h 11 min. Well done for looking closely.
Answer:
5 h 03 min
